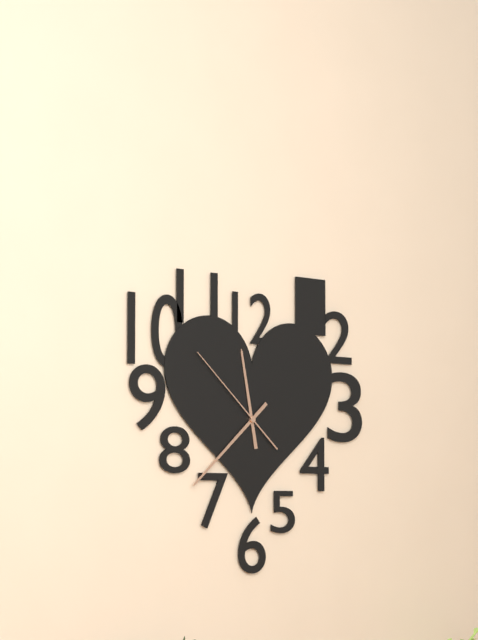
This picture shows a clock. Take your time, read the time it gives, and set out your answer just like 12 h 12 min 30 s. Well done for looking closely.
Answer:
11 h 38 min 52 s
